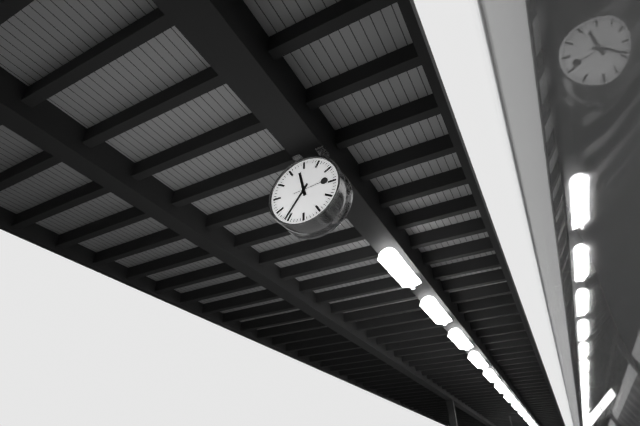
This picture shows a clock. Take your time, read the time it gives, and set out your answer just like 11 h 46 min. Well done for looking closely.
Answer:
11 h 36 min
